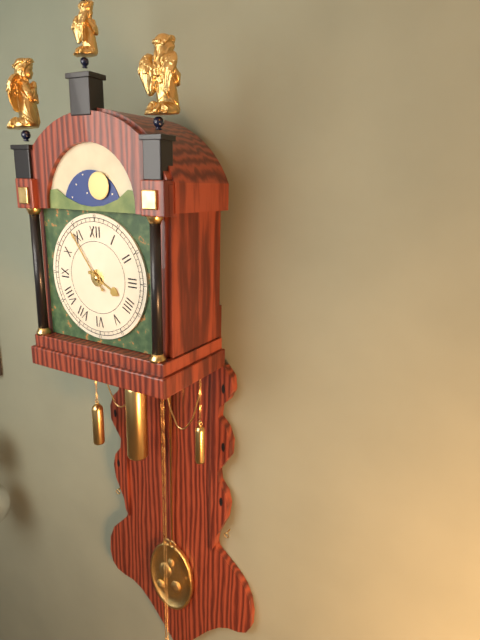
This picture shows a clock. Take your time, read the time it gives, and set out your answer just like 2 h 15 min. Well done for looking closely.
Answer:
3 h 54 min
